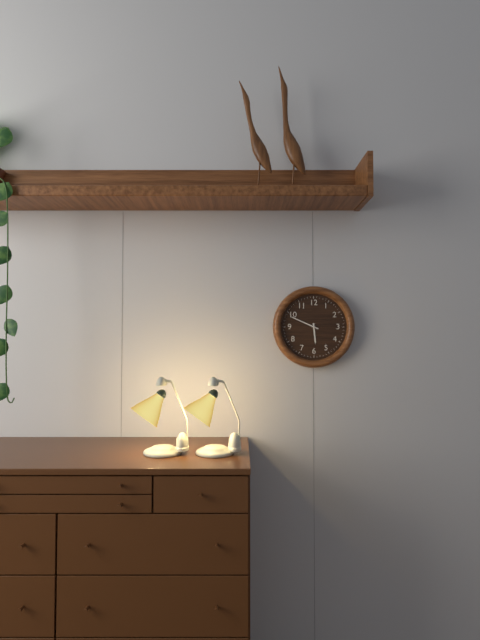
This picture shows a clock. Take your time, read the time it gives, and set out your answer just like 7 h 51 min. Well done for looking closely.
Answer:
5 h 49 min
